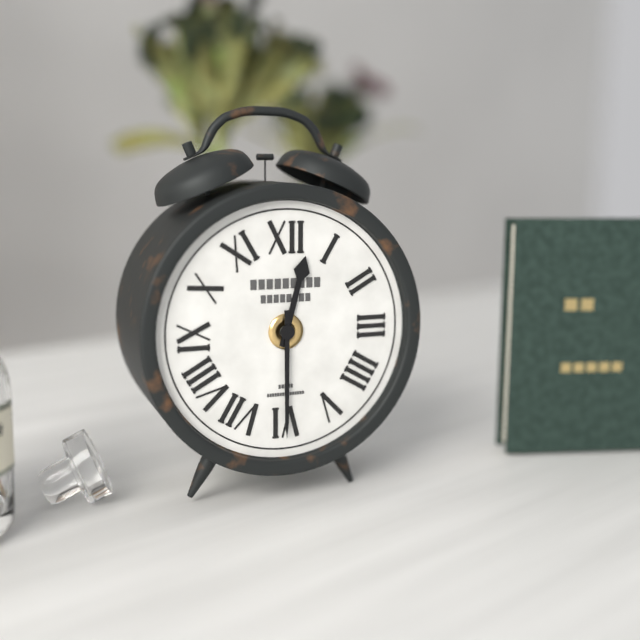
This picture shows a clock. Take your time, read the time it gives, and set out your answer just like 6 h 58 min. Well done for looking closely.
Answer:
12 h 30 min
